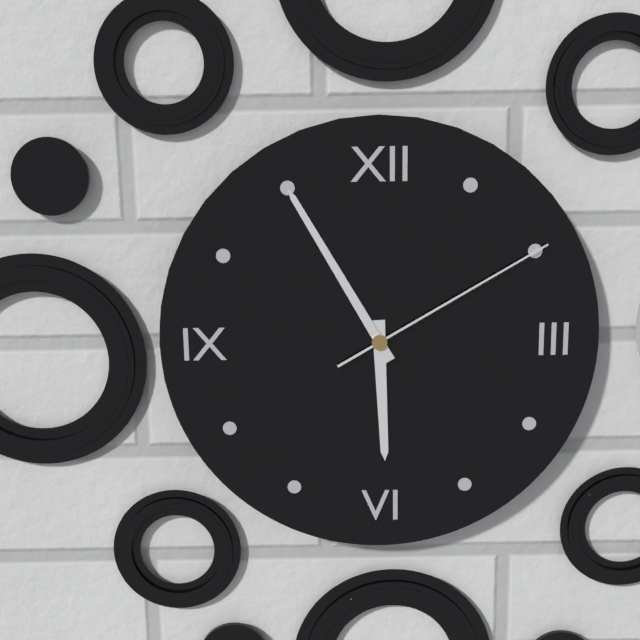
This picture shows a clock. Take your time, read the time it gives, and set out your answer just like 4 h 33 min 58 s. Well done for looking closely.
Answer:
5 h 55 min 10 s
